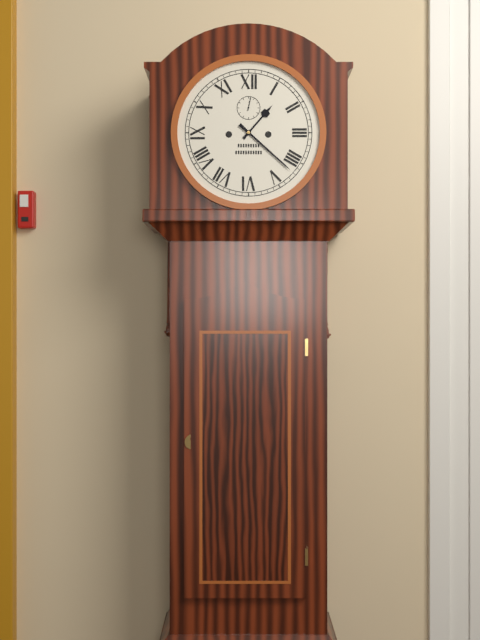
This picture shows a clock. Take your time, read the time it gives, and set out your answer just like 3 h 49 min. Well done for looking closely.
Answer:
1 h 22 min
